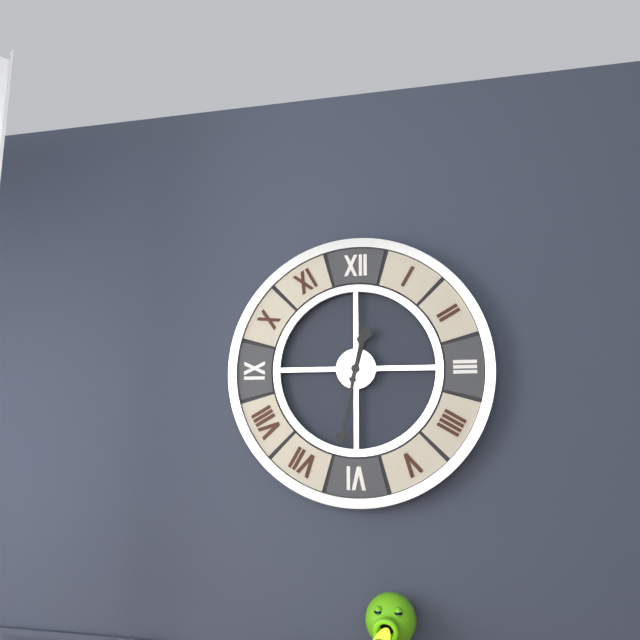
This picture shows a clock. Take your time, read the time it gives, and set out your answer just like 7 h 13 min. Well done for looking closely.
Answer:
12 h 32 min
